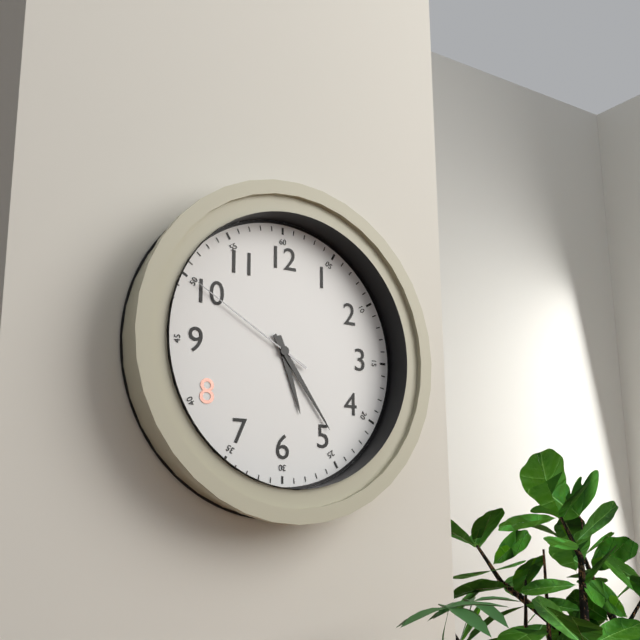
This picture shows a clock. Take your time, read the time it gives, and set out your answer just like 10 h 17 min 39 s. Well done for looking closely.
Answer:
5 h 24 min 50 s
